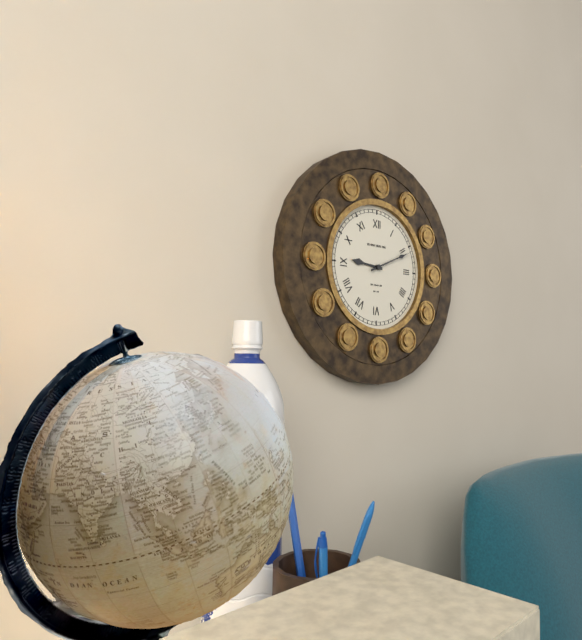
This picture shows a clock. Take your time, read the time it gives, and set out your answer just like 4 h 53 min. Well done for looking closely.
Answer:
9 h 11 min
